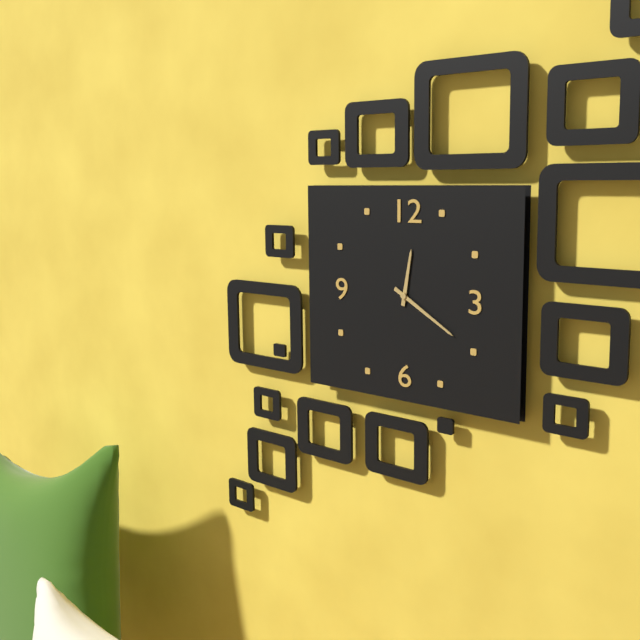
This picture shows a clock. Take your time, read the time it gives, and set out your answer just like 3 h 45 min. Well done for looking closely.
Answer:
12 h 20 min
